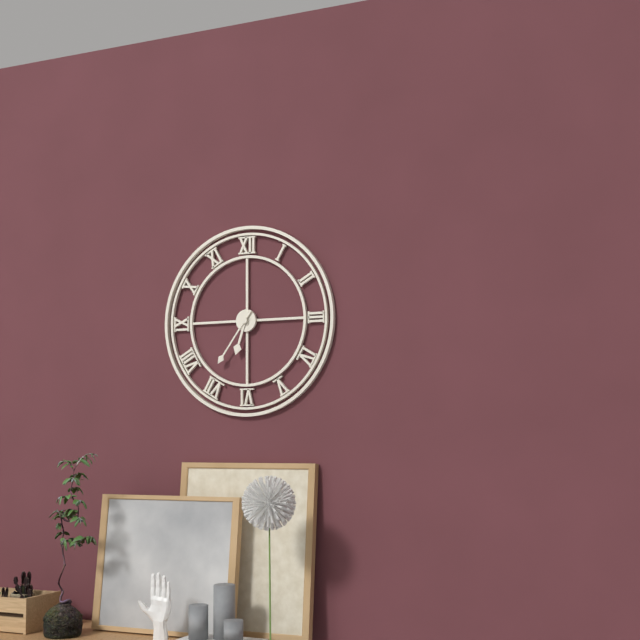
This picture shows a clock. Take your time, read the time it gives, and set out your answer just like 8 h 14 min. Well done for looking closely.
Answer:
6 h 36 min
